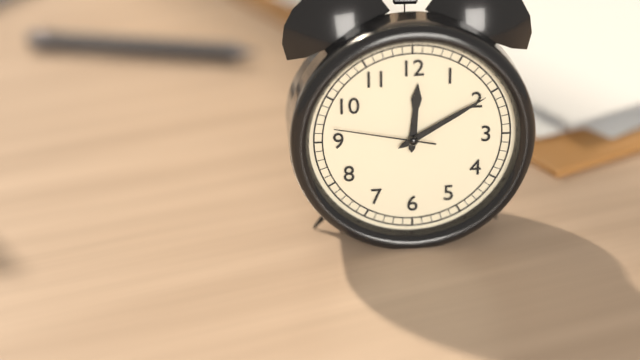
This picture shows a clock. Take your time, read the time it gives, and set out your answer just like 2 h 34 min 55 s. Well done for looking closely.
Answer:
12 h 10 min 47 s
